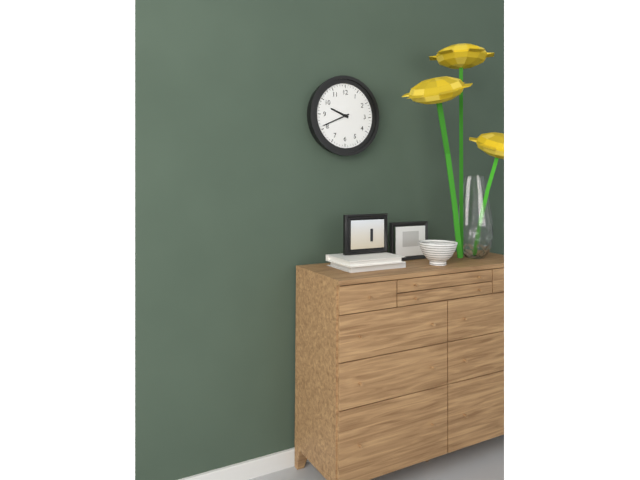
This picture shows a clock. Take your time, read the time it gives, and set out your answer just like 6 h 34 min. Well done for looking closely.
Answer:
9 h 41 min
